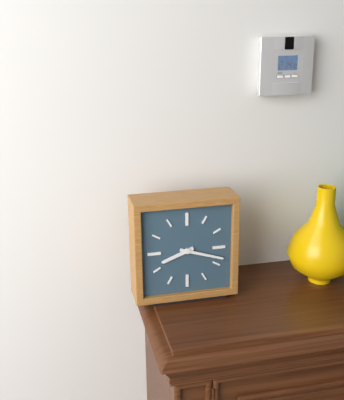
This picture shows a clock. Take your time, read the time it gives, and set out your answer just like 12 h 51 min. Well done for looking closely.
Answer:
8 h 18 min
